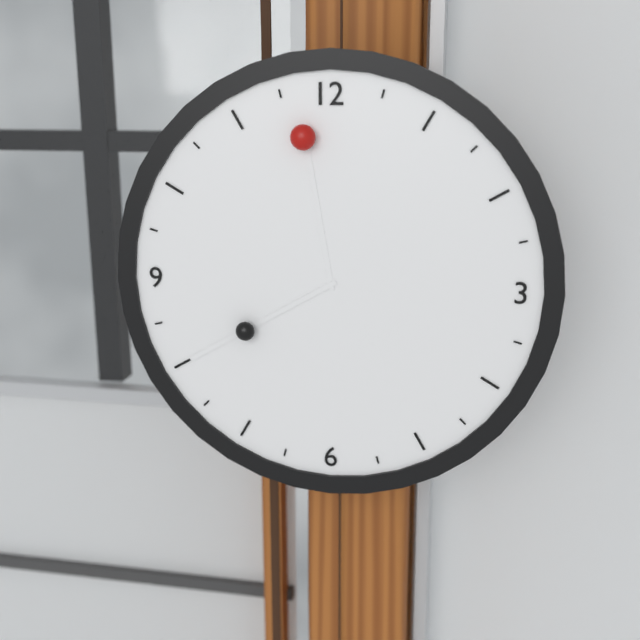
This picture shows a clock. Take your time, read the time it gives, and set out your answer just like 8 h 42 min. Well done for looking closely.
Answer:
11 h 40 min
